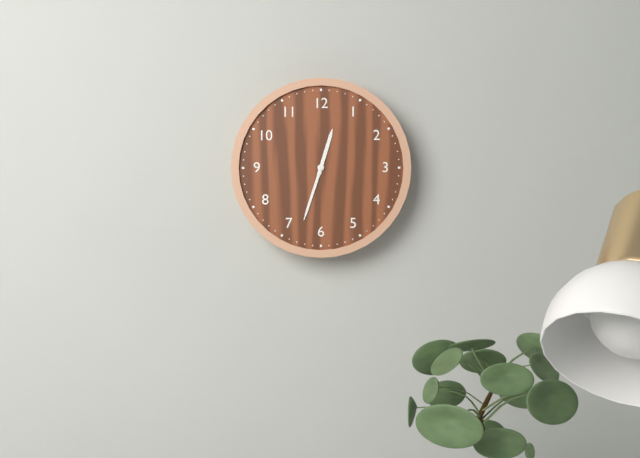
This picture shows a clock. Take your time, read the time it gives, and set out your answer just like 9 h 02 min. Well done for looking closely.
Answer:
12 h 33 min
